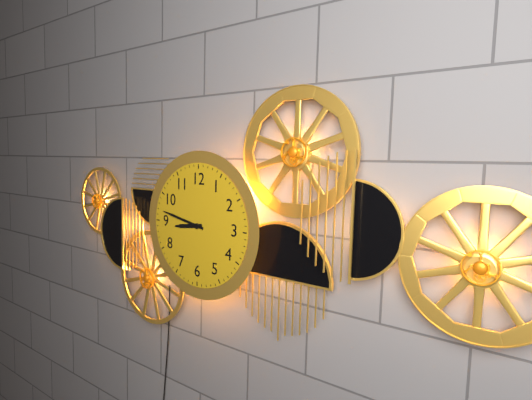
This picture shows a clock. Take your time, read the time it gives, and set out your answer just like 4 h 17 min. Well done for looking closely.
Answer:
8 h 47 min
